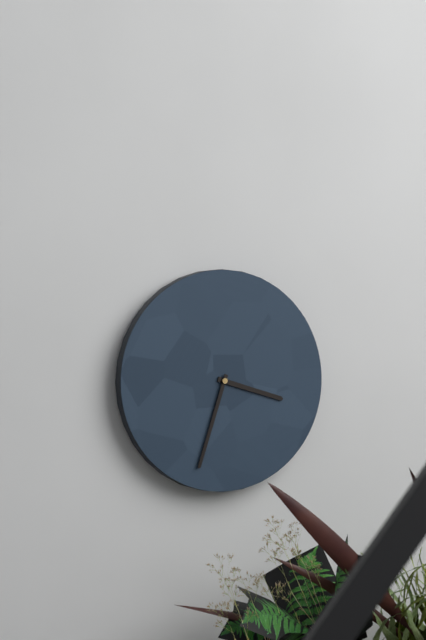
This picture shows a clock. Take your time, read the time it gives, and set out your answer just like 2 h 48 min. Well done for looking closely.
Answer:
3 h 33 min
